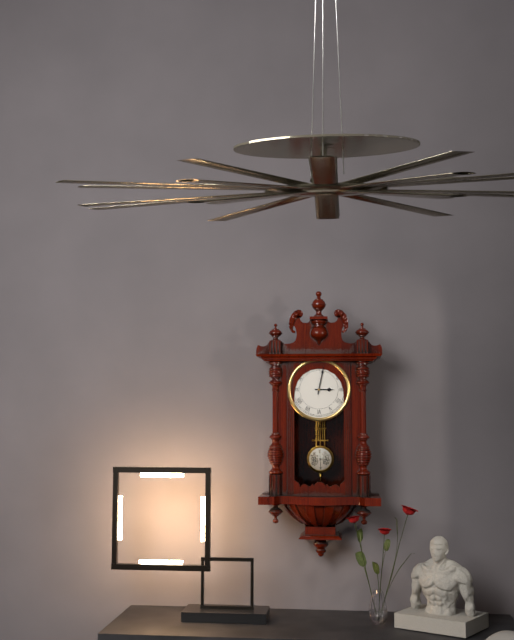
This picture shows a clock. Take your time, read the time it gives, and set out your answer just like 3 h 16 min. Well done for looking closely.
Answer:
3 h 02 min
